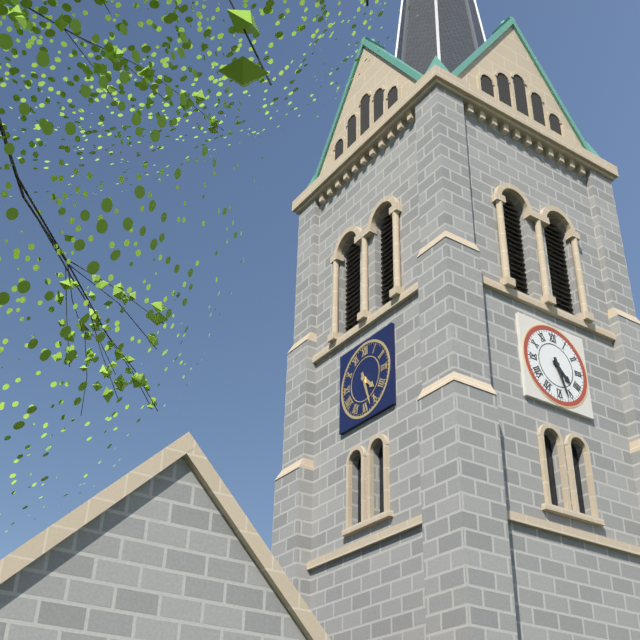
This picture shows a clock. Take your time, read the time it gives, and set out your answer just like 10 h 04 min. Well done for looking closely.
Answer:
4 h 27 min
